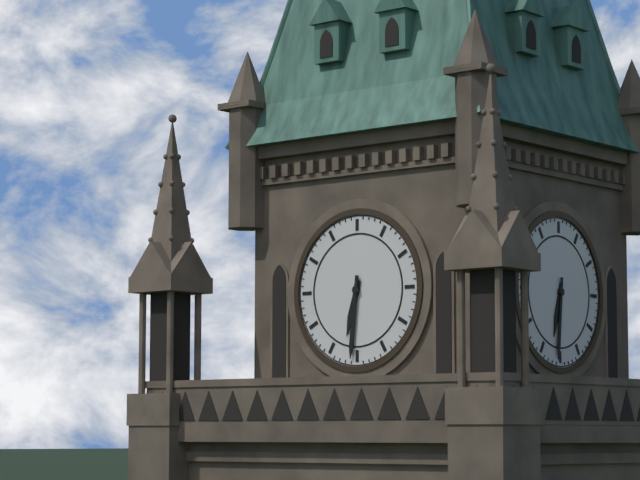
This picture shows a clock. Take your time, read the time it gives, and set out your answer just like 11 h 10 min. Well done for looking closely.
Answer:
6 h 31 min
